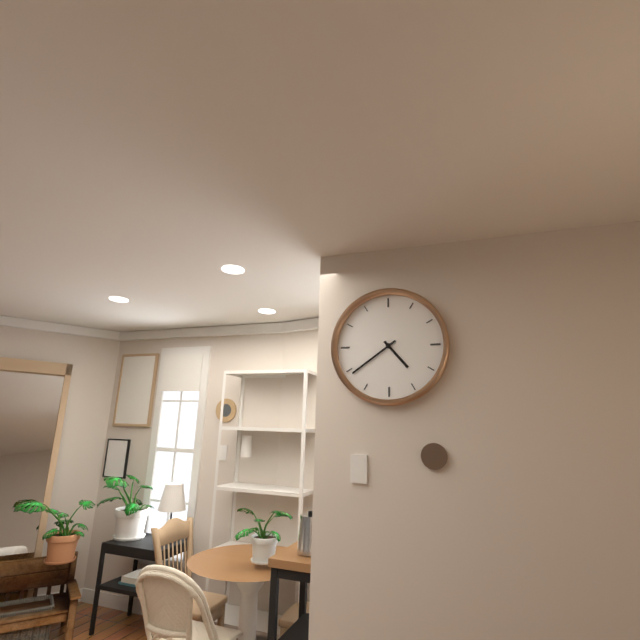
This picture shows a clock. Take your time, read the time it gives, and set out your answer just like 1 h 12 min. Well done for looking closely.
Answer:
4 h 39 min
